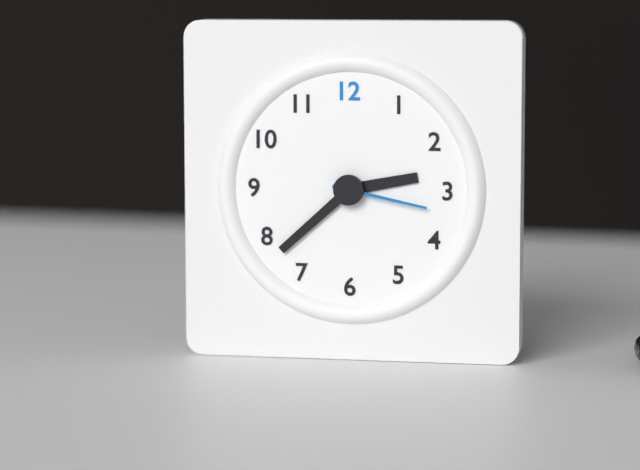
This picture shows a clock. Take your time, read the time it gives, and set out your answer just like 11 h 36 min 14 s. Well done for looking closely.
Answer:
2 h 38 min 17 s
